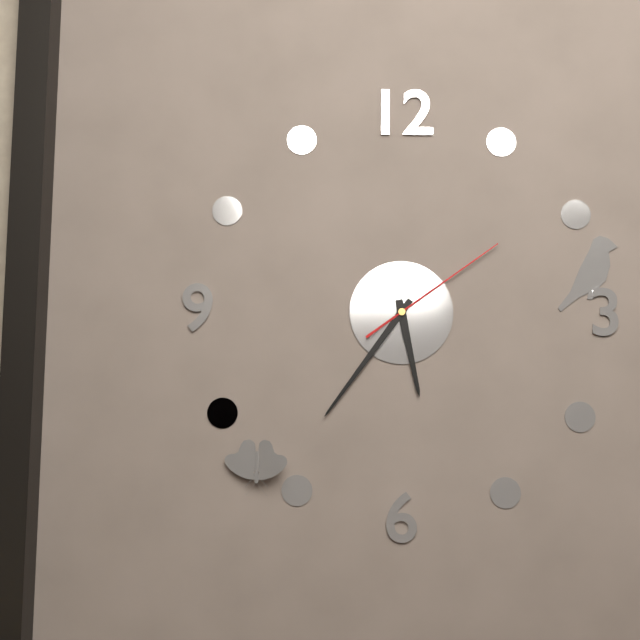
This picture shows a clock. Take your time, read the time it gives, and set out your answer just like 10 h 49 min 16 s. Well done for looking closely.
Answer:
5 h 36 min 09 s
